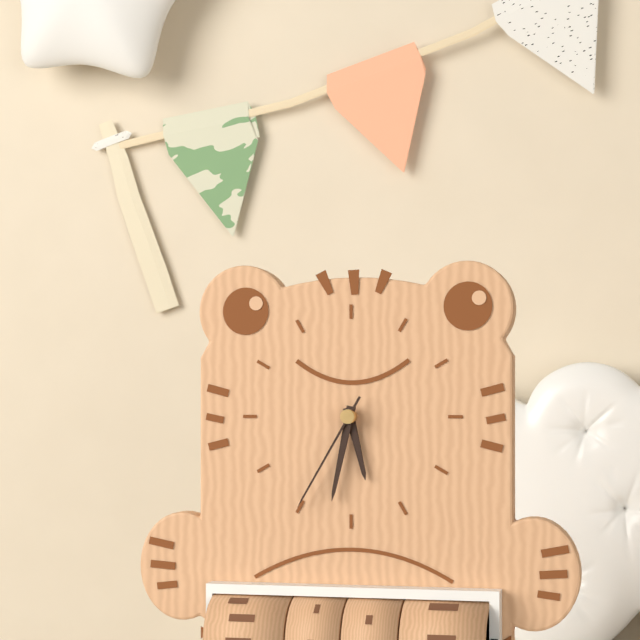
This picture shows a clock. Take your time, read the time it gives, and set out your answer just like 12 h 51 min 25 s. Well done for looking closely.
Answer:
5 h 32 min 35 s
